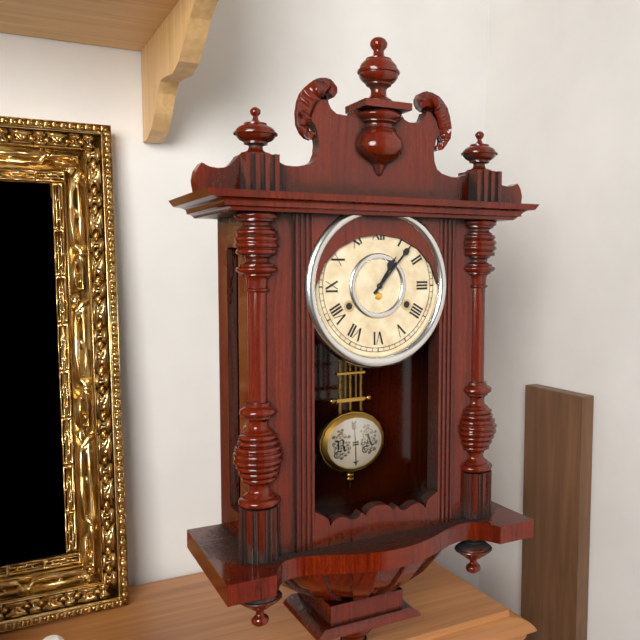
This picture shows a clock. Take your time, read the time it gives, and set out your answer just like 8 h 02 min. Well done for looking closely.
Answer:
1 h 07 min
